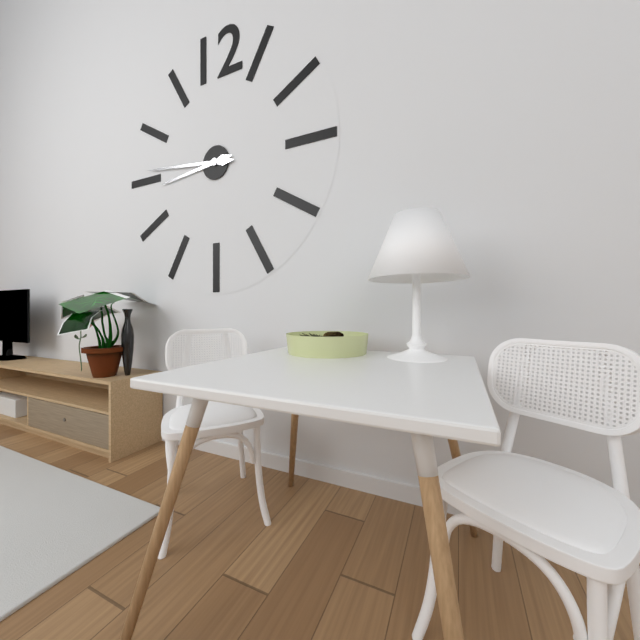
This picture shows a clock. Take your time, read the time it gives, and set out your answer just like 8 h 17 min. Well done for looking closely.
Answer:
8 h 46 min
